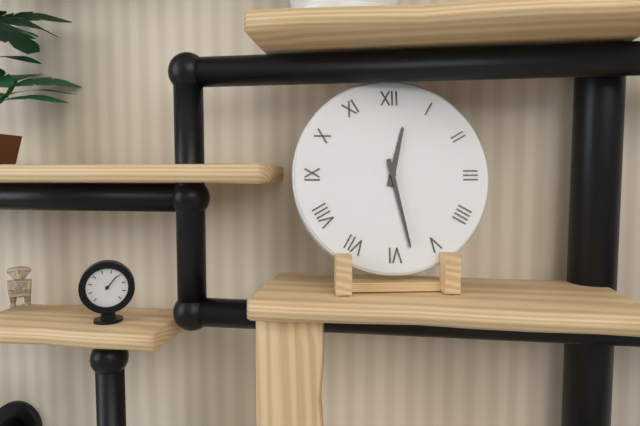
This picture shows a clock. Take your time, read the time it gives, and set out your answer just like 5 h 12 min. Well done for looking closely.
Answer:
12 h 28 min
